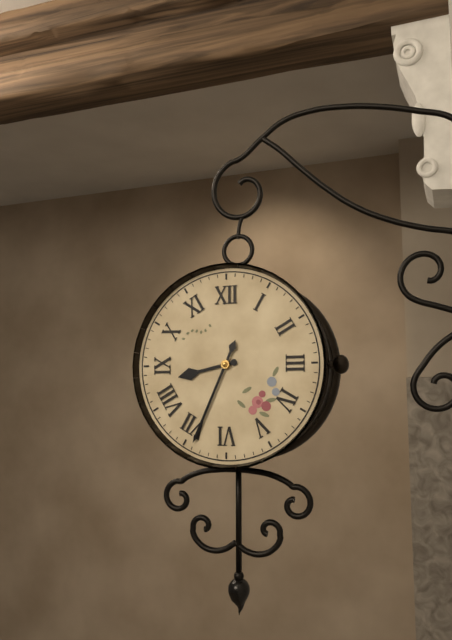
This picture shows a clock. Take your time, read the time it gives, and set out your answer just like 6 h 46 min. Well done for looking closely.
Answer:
8 h 34 min
